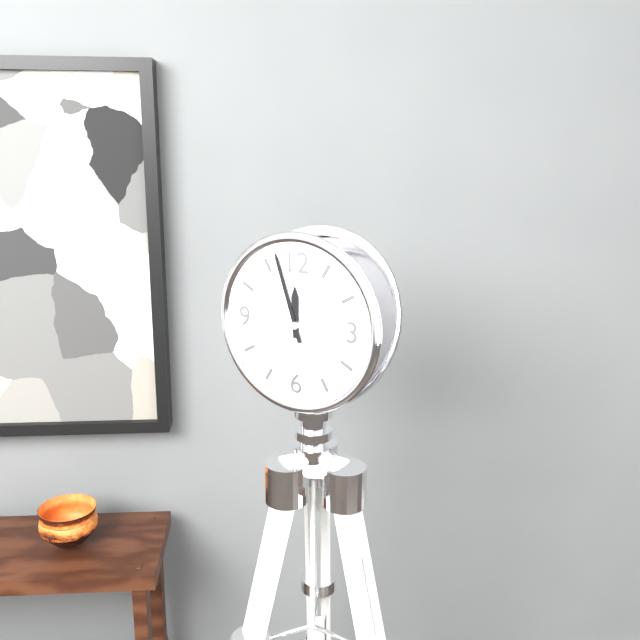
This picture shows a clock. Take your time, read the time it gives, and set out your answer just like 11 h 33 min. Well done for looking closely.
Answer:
11 h 57 min
